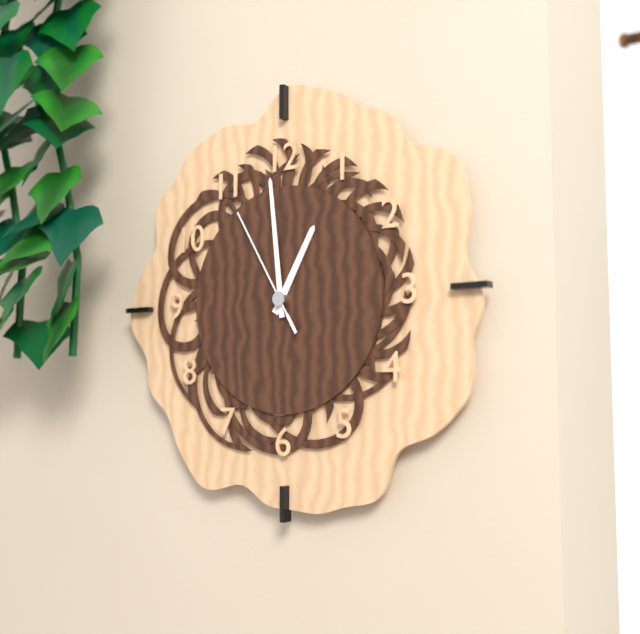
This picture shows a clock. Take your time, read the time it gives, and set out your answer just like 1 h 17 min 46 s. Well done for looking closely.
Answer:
12 h 59 min 55 s
